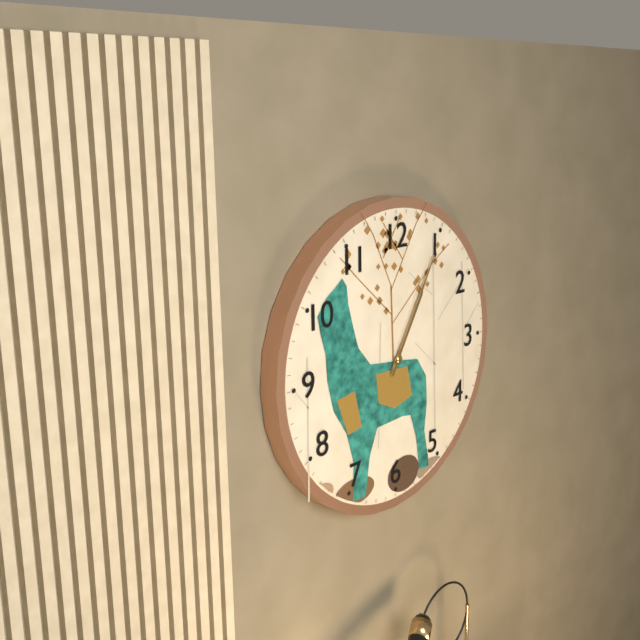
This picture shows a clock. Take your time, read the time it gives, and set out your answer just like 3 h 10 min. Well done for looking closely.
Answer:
1 h 05 min
